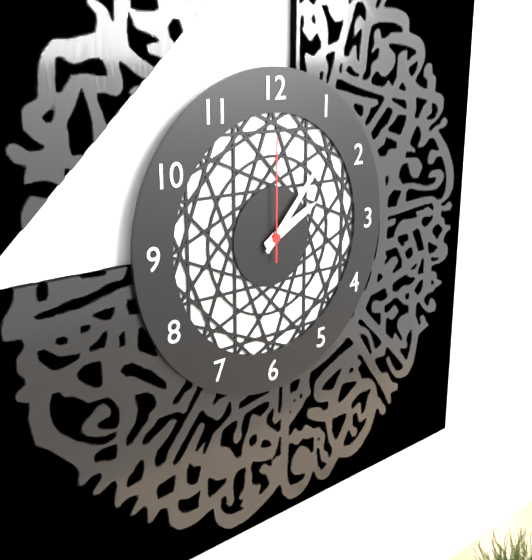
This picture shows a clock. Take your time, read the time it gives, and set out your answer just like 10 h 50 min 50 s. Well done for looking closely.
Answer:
2 h 07 min 00 s
